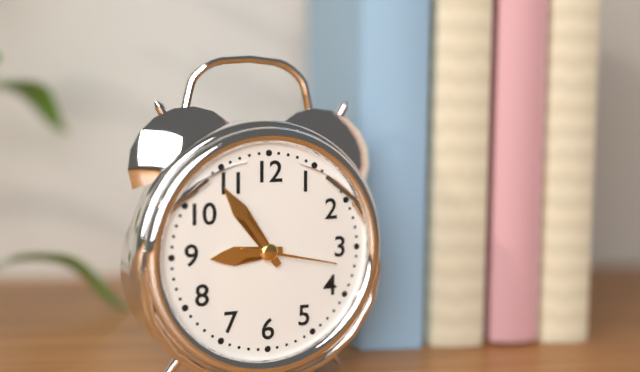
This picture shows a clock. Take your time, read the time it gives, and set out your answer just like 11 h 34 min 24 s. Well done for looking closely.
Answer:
8 h 54 min 17 s
